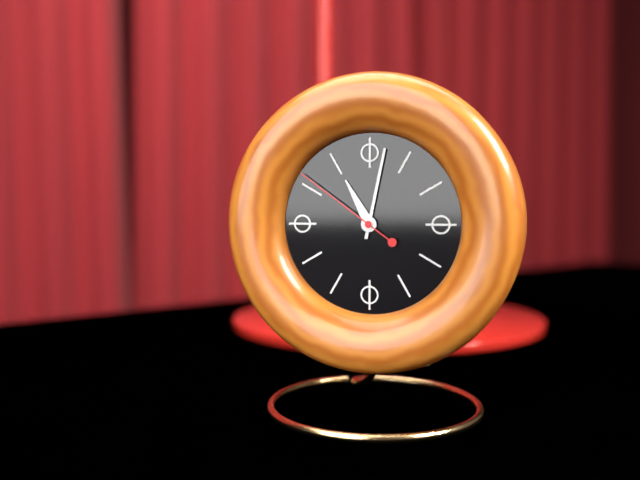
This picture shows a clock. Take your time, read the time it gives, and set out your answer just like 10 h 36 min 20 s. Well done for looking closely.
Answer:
11 h 02 min 51 s
